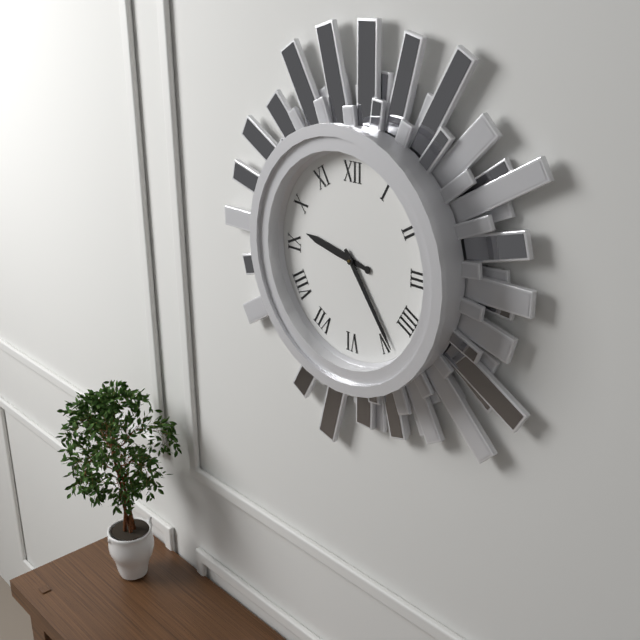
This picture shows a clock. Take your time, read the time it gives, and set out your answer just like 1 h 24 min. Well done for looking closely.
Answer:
9 h 24 min
